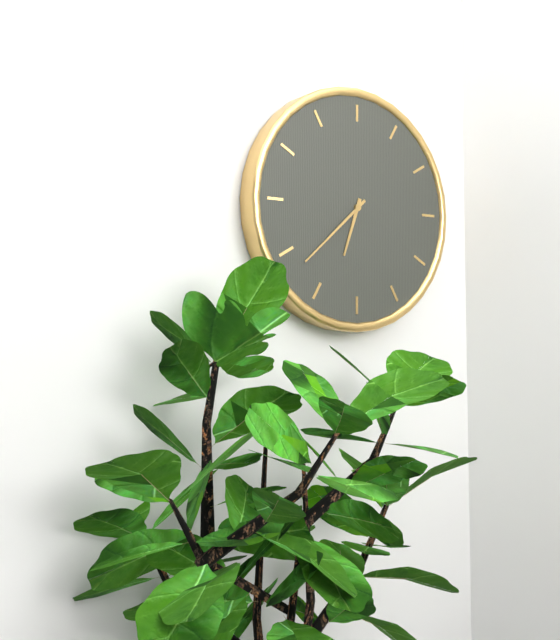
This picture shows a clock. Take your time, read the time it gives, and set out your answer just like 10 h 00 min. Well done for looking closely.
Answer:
6 h 38 min
